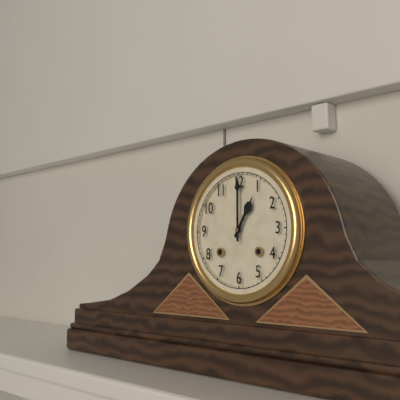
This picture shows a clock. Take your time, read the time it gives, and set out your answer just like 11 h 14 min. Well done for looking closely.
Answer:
1 h 00 min
